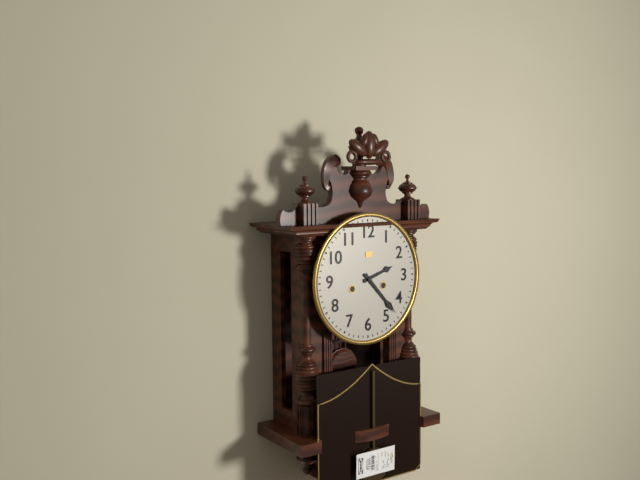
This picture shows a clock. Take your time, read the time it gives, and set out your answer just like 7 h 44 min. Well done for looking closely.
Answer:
2 h 23 min
